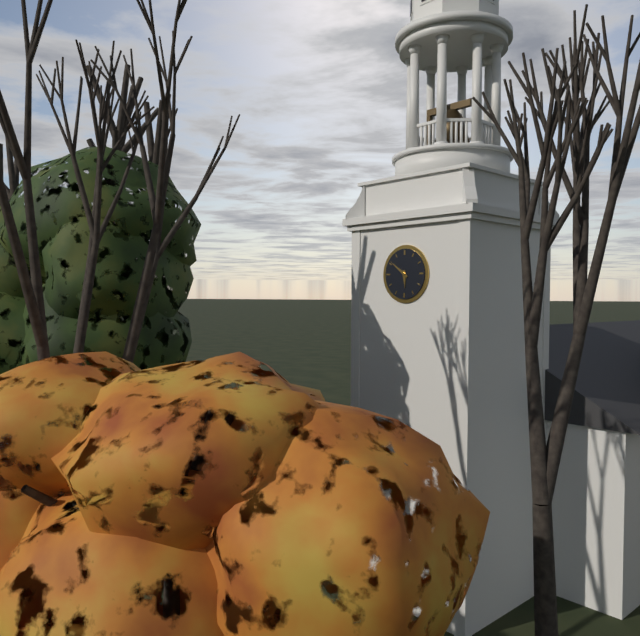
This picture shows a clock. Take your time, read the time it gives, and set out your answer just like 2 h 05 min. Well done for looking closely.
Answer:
5 h 51 min
